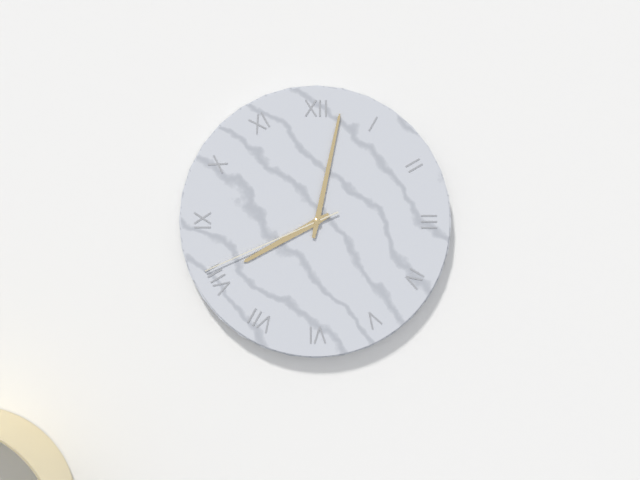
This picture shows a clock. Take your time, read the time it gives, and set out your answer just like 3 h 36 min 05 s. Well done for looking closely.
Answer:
8 h 02 min 41 s
